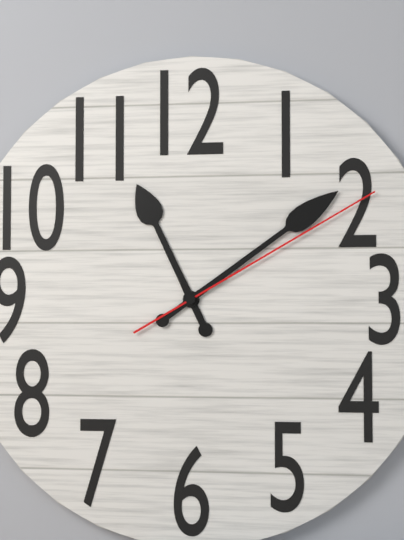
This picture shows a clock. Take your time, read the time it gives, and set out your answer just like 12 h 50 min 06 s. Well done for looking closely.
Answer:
11 h 09 min 10 s
